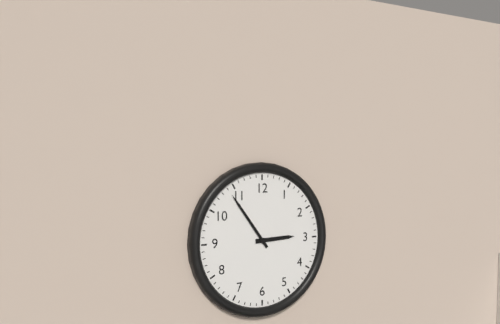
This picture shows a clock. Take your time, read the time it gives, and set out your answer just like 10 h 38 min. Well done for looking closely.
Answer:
2 h 54 min
